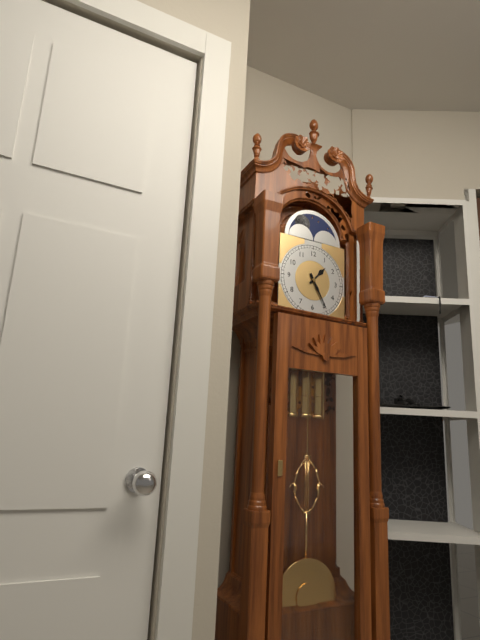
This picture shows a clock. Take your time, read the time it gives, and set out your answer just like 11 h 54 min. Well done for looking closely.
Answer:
1 h 25 min
